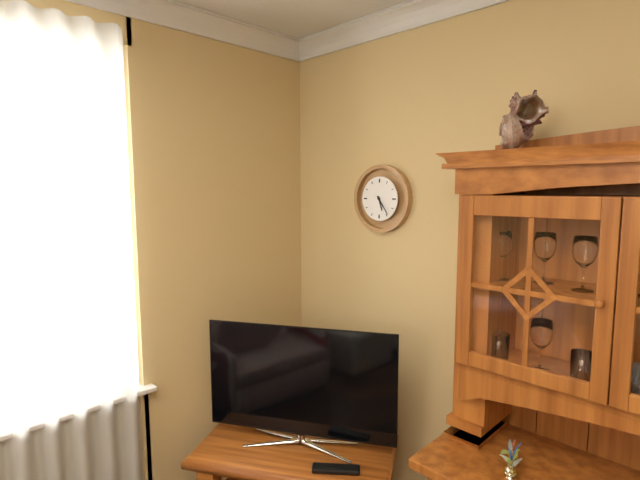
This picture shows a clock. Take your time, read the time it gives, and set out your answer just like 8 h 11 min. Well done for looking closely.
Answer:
5 h 24 min
